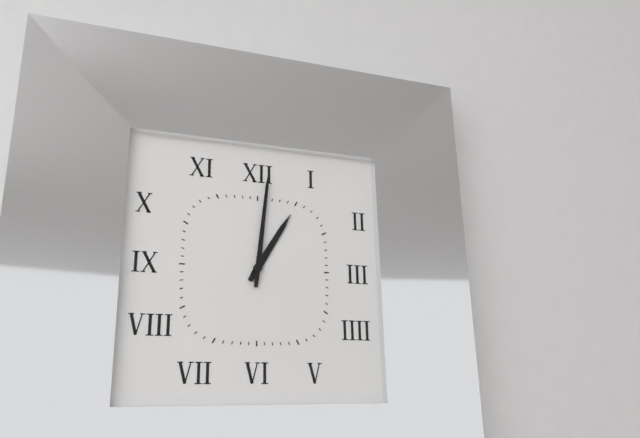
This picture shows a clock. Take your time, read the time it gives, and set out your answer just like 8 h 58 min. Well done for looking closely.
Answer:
1 h 01 min
